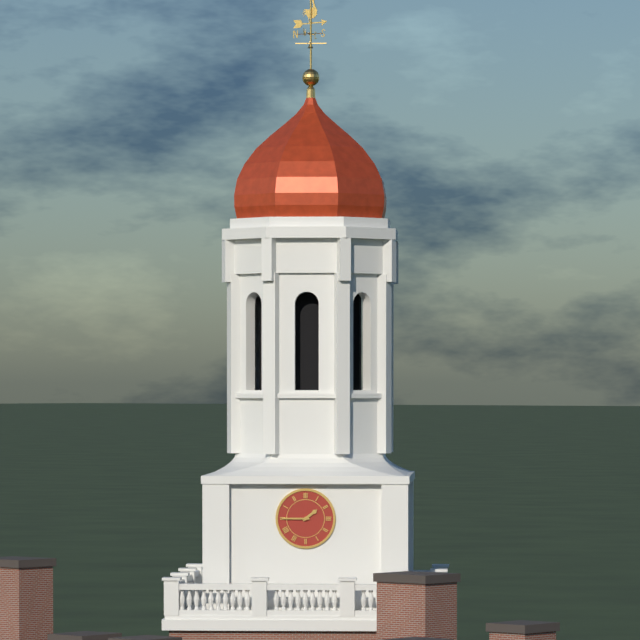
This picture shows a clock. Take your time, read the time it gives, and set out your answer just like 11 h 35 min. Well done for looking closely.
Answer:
1 h 45 min
